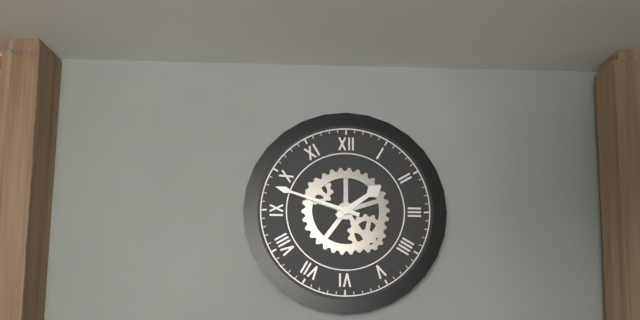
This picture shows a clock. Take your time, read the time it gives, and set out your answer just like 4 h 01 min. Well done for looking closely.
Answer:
1 h 48 min
